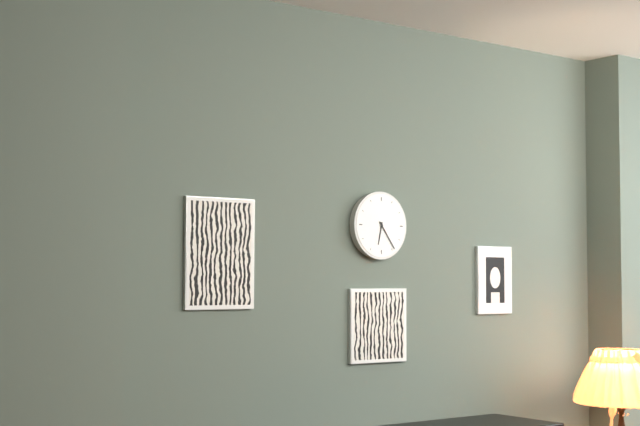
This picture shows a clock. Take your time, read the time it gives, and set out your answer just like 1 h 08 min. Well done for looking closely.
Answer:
6 h 24 min
